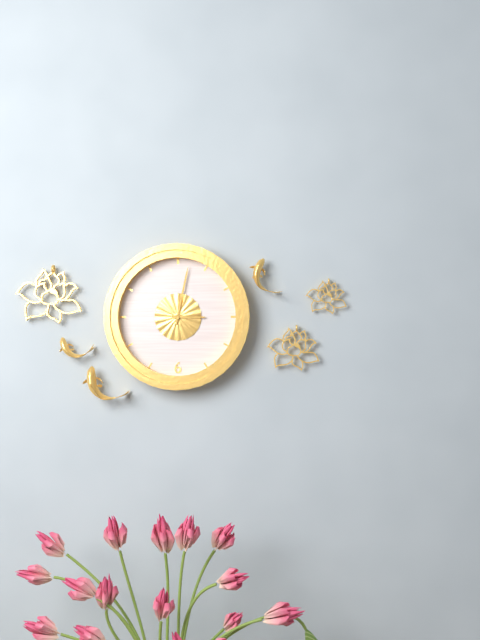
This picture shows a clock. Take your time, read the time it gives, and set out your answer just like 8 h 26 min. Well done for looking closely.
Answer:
3 h 02 min
